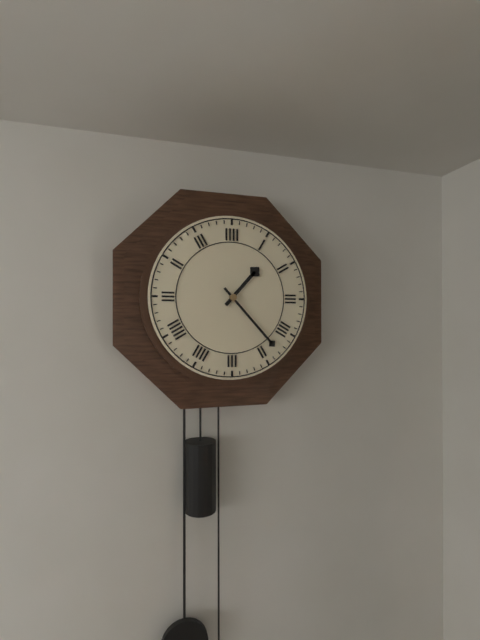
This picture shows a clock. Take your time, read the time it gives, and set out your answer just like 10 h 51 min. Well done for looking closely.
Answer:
1 h 23 min
